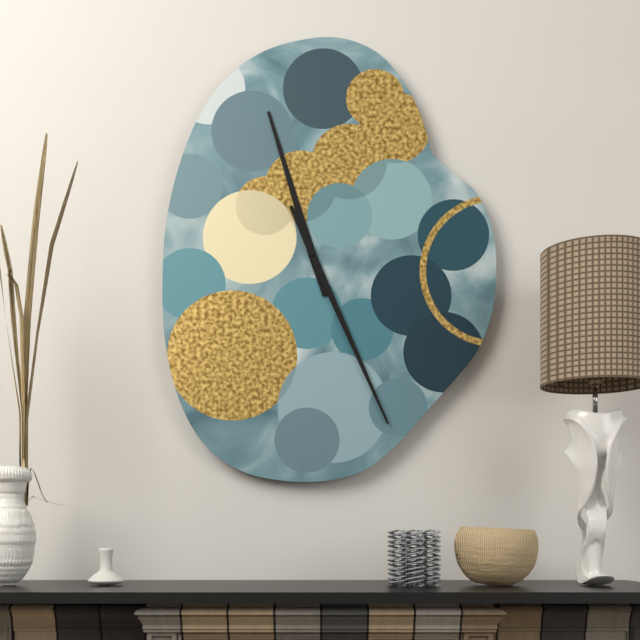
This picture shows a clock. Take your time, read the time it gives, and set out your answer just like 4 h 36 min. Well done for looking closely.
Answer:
11 h 26 min
